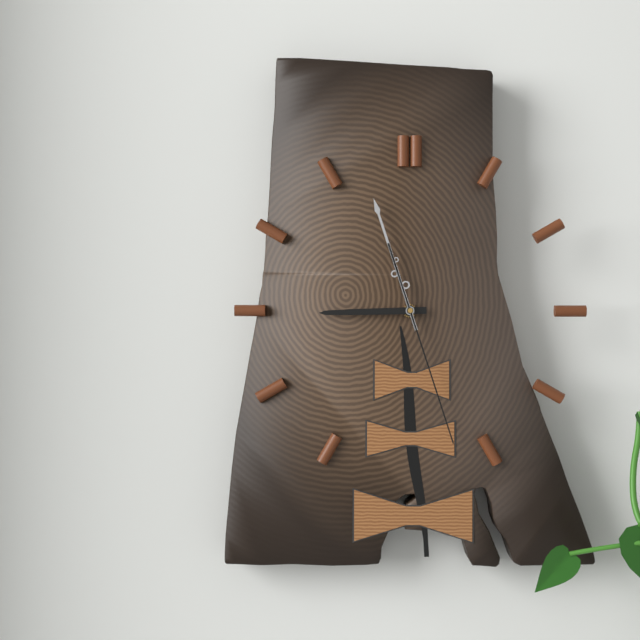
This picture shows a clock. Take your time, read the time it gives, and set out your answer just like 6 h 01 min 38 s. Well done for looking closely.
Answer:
8 h 57 min 27 s
